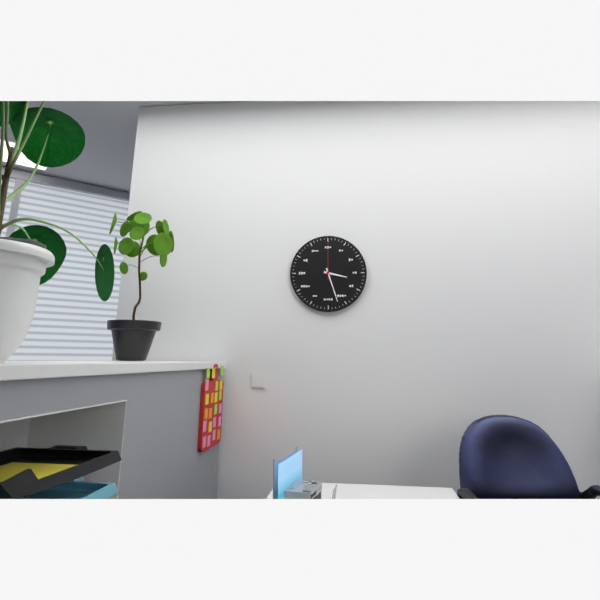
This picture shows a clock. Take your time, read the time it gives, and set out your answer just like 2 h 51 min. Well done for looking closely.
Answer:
3 h 27 min
